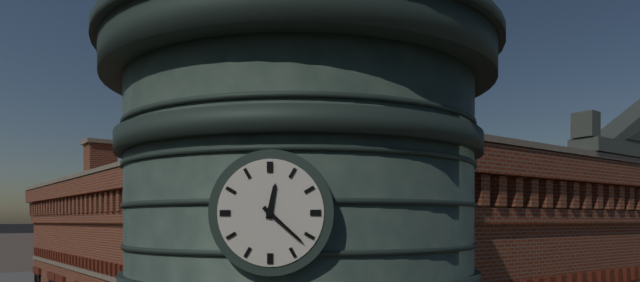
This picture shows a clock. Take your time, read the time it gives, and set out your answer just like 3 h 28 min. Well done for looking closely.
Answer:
12 h 22 min
